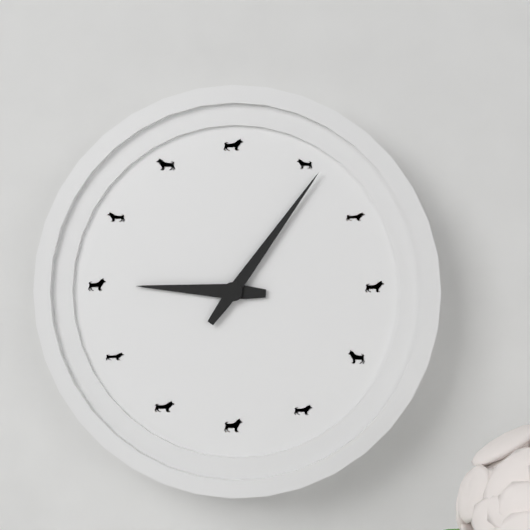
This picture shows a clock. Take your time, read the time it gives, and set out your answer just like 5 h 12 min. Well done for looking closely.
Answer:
9 h 06 min
